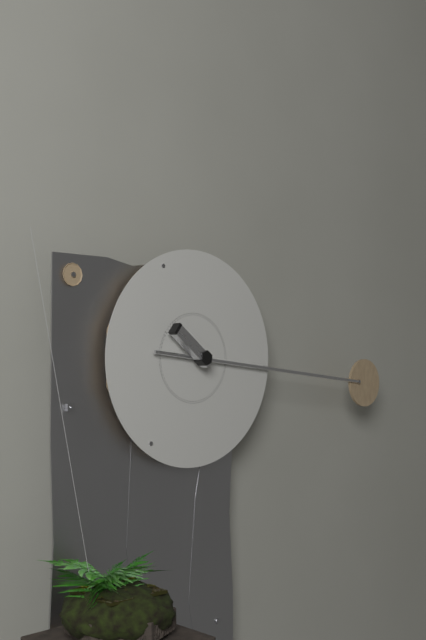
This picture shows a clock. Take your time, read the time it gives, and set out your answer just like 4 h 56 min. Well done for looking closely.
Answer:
10 h 16 min
